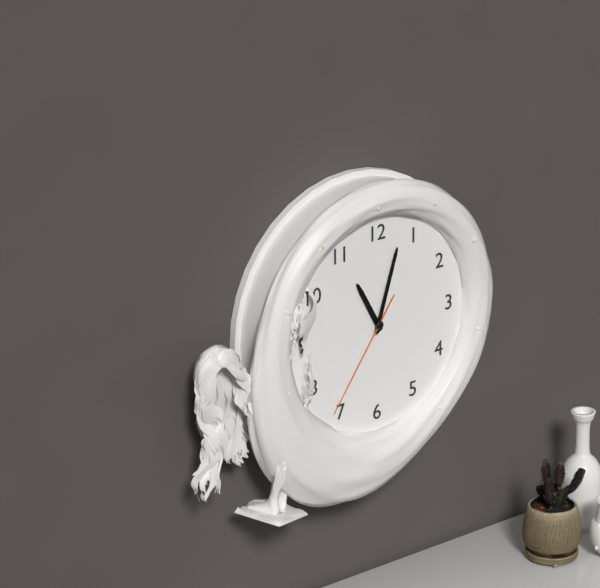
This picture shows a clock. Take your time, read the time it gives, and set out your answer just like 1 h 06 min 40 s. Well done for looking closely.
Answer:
11 h 03 min 36 s
